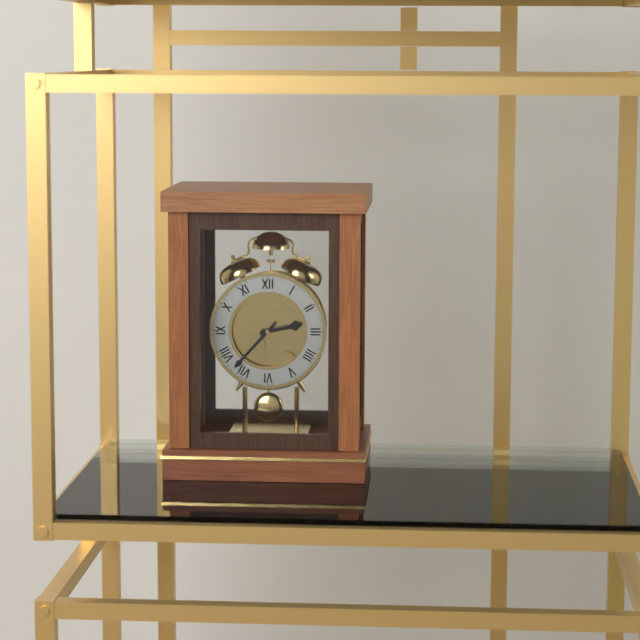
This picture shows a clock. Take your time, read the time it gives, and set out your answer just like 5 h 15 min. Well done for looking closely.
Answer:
2 h 37 min
